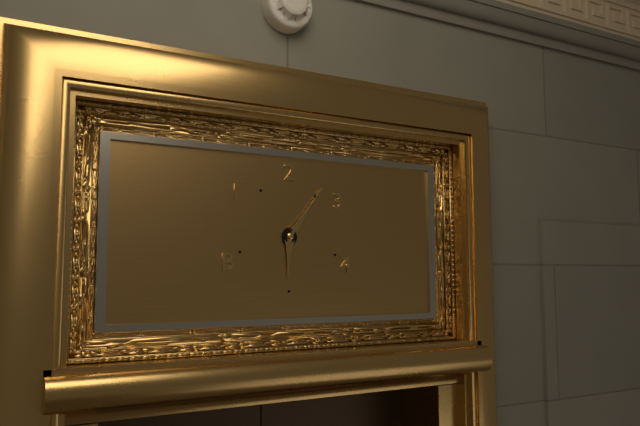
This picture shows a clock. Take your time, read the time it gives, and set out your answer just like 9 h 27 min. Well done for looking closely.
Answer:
6 h 06 min
